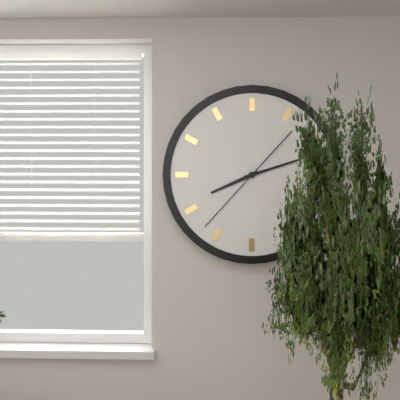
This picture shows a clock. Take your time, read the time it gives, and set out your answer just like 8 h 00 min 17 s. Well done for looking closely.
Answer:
8 h 12 min 37 s
